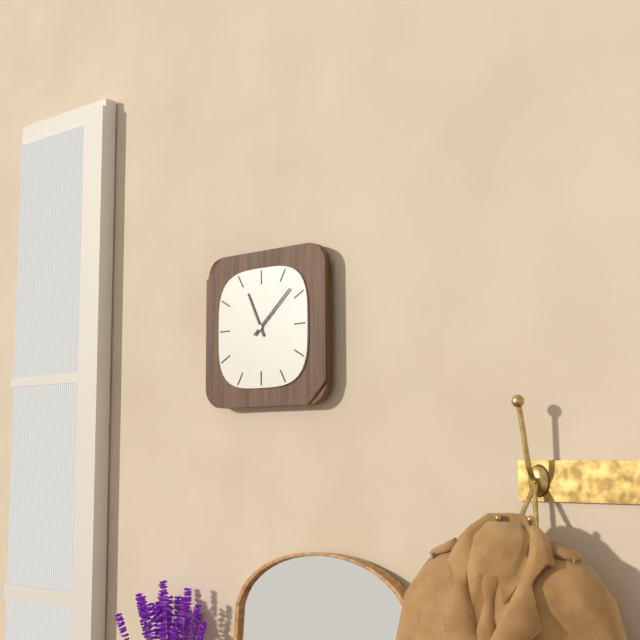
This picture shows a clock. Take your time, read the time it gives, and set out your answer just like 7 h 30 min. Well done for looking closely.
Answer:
11 h 08 min
